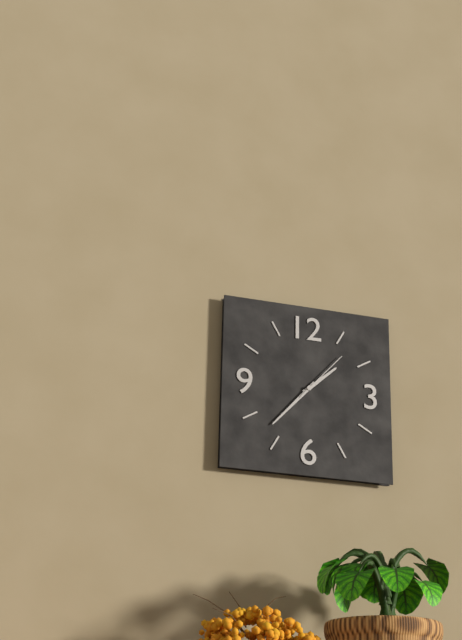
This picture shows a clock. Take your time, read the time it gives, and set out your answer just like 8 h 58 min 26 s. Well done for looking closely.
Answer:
1 h 37 min 07 s
